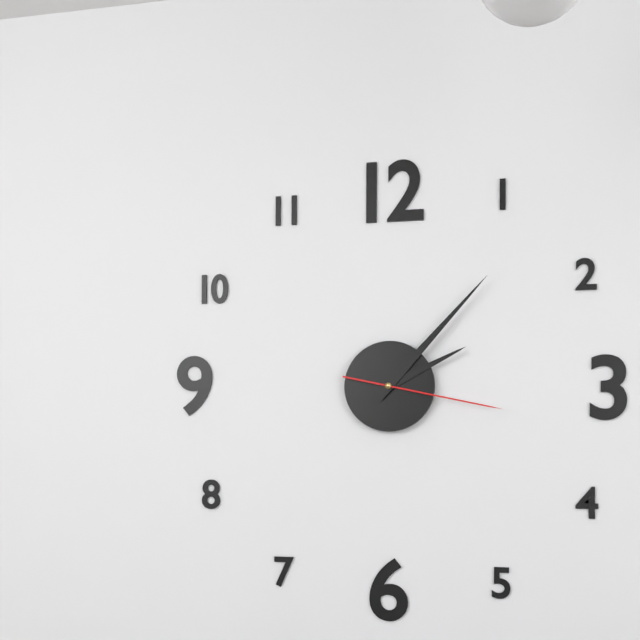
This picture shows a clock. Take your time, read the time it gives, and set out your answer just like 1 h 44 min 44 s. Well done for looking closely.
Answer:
2 h 07 min 17 s
